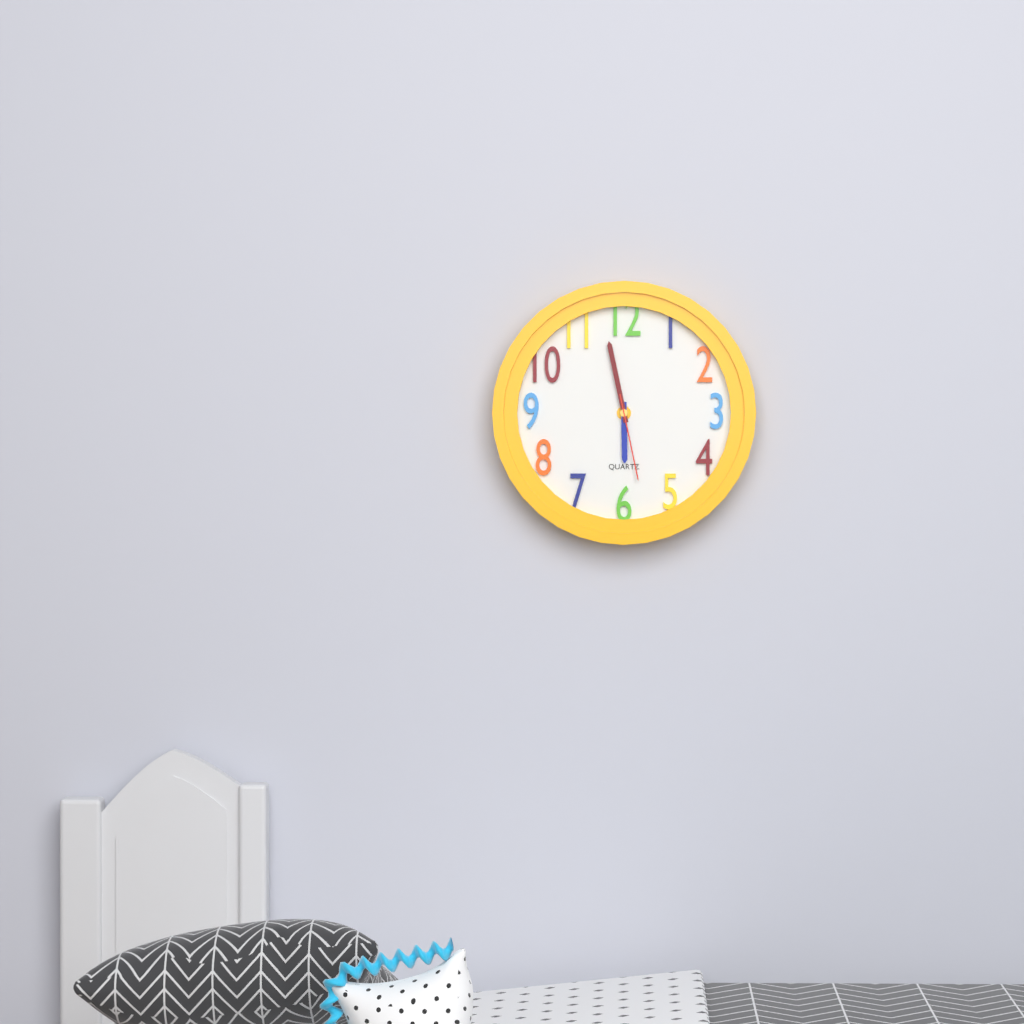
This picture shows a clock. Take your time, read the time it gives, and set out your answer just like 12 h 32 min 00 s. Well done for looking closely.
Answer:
5 h 58 min 28 s
